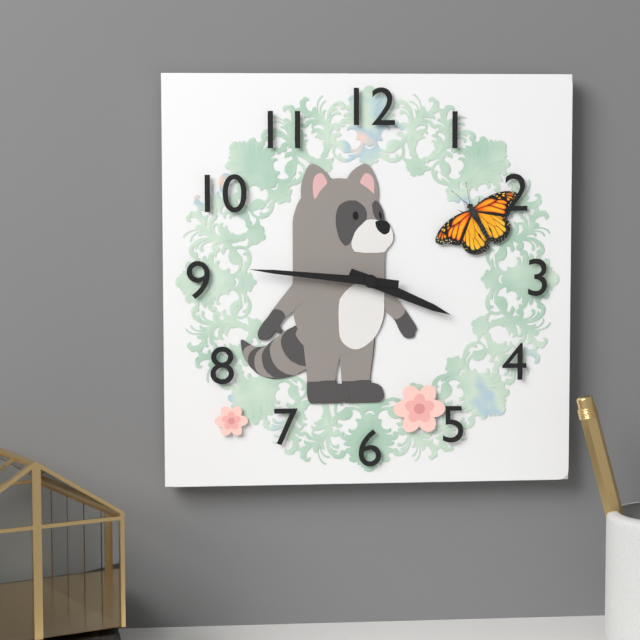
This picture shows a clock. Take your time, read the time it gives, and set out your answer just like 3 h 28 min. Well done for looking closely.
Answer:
3 h 46 min
